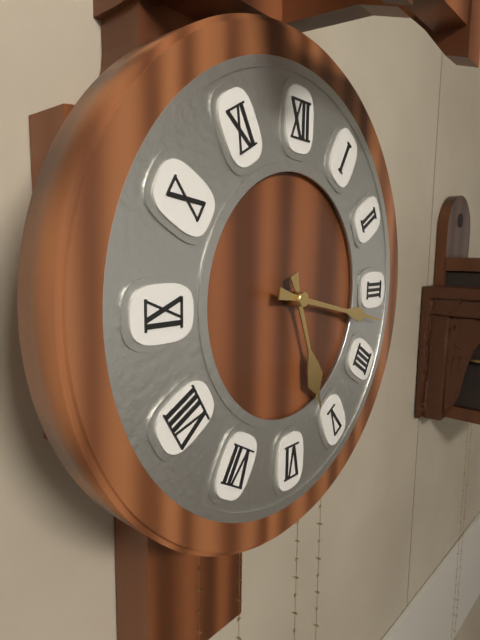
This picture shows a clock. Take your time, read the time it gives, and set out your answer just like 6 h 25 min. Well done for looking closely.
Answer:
5 h 17 min
